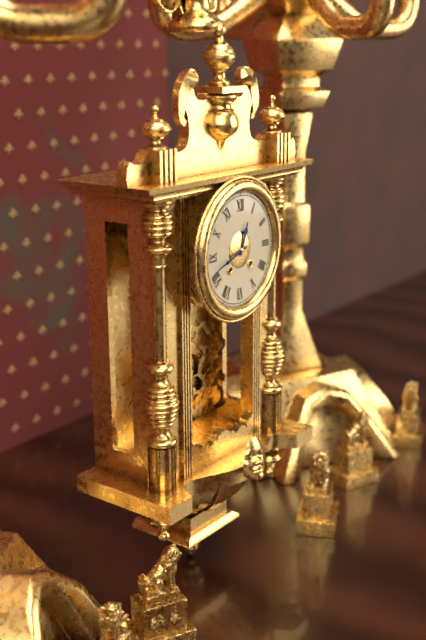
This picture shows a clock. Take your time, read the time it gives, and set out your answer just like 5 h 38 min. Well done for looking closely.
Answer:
12 h 42 min
